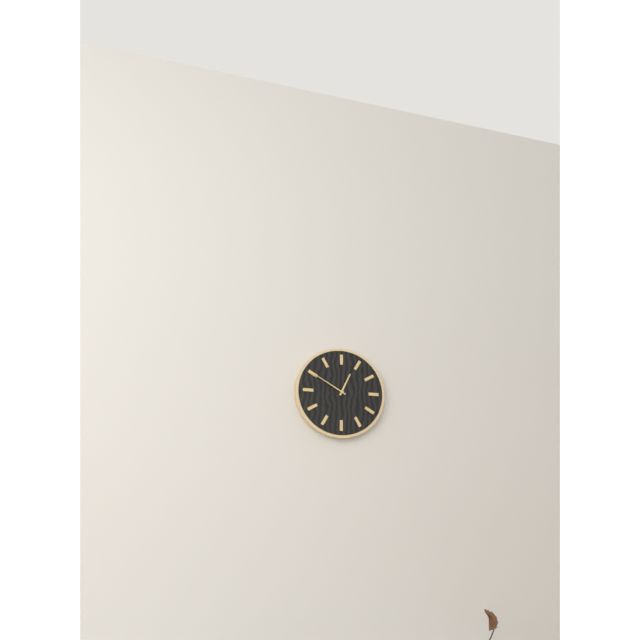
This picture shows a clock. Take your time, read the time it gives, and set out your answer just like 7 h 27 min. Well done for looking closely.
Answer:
12 h 50 min
